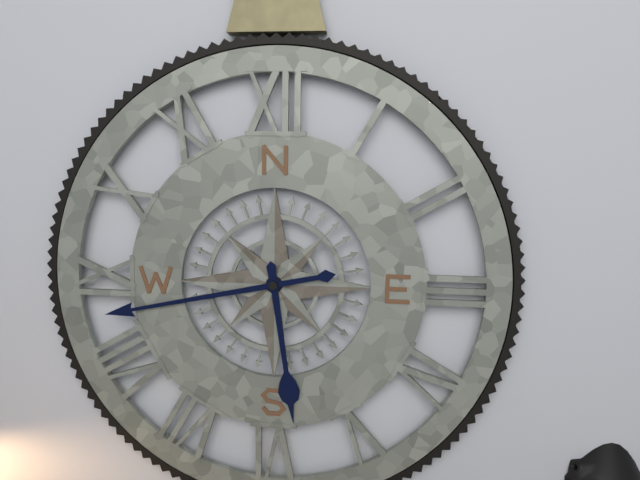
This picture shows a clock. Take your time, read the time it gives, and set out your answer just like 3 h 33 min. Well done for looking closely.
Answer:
5 h 43 min
